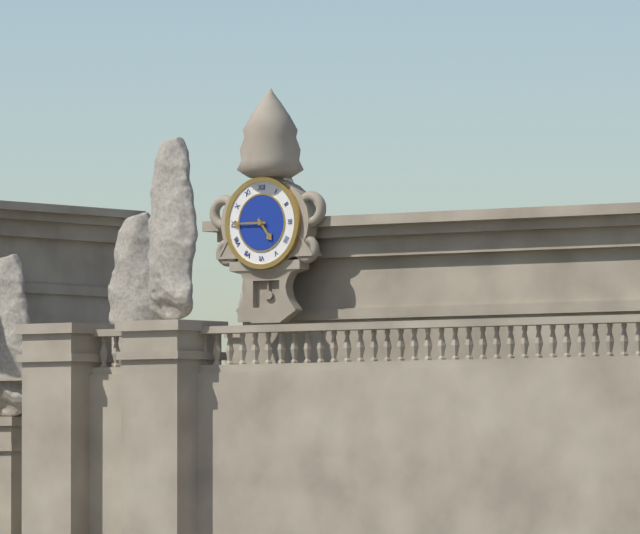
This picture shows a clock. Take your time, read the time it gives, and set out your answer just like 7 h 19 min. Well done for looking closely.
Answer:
4 h 45 min
